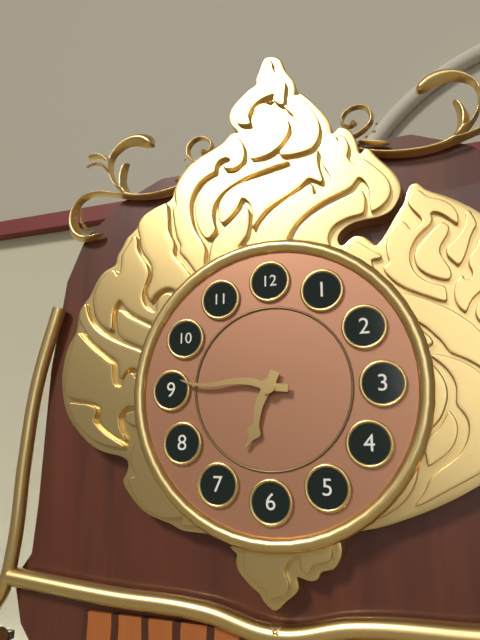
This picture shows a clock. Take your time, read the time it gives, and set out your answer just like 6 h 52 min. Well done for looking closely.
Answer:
6 h 46 min
